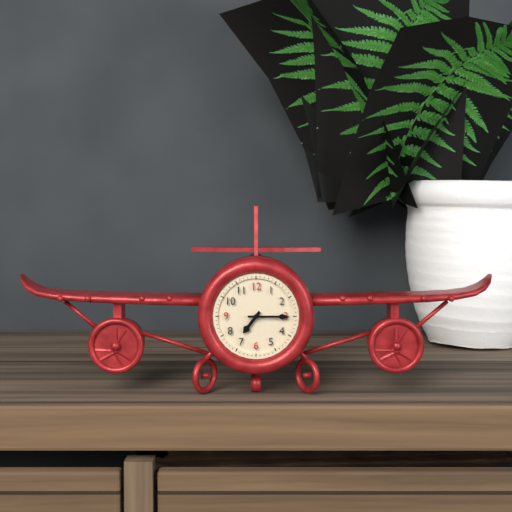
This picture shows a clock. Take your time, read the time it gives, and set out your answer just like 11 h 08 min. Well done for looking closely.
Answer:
7 h 15 min
